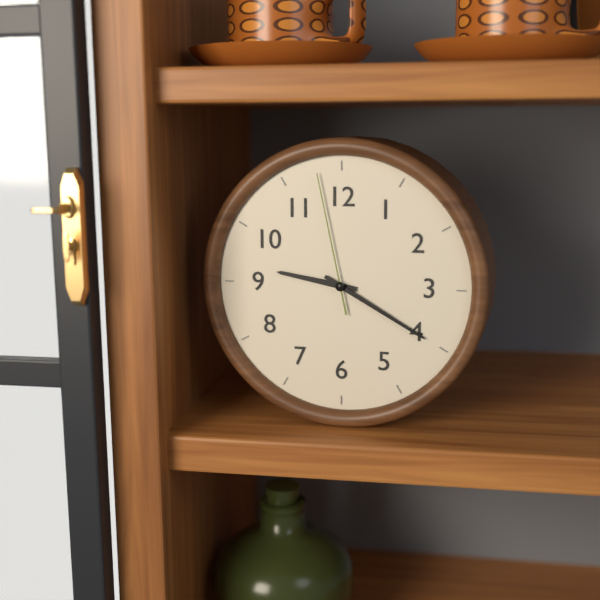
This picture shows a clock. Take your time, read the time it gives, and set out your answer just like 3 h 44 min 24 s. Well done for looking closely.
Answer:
9 h 20 min 58 s
